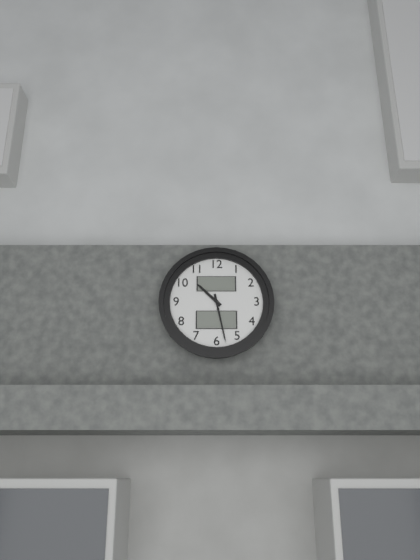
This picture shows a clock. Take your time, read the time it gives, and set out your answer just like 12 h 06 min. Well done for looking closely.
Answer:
10 h 28 min
